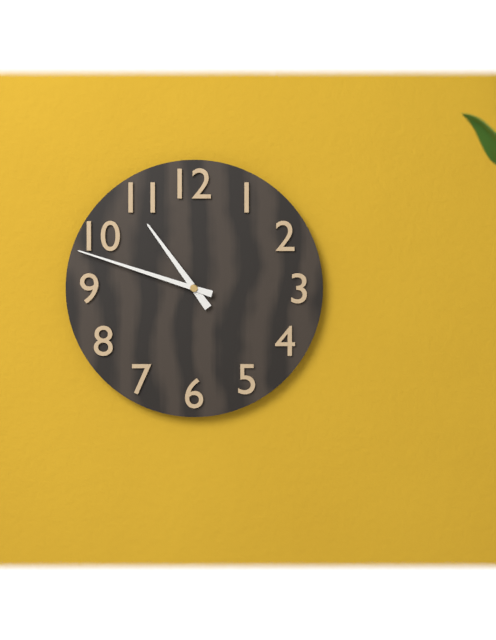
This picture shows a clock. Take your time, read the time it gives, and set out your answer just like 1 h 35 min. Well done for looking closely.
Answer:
10 h 48 min
